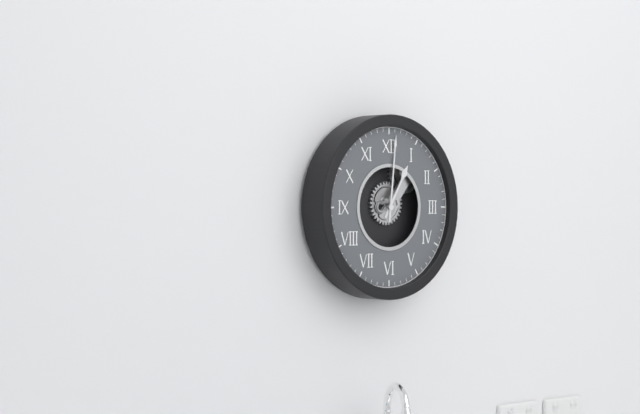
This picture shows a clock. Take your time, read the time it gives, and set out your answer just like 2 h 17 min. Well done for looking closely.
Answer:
1 h 01 min
